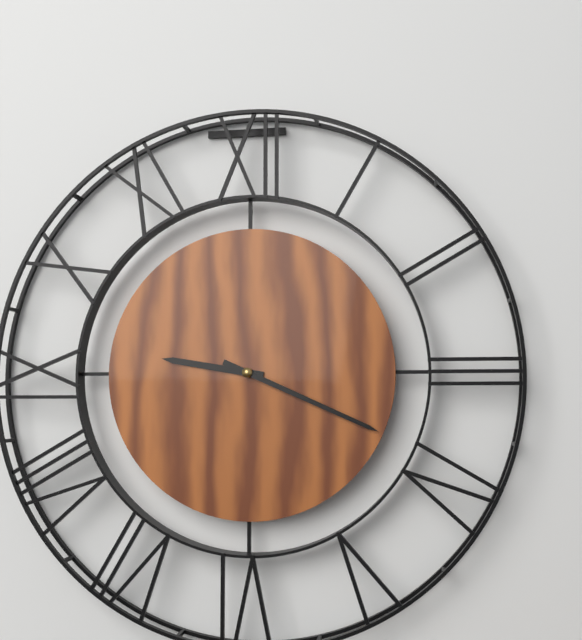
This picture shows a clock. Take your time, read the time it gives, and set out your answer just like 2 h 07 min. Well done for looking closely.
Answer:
9 h 19 min
